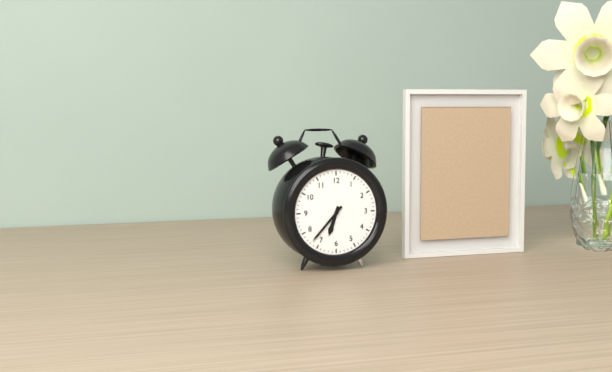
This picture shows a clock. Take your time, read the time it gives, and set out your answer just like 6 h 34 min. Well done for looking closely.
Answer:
6 h 37 min
